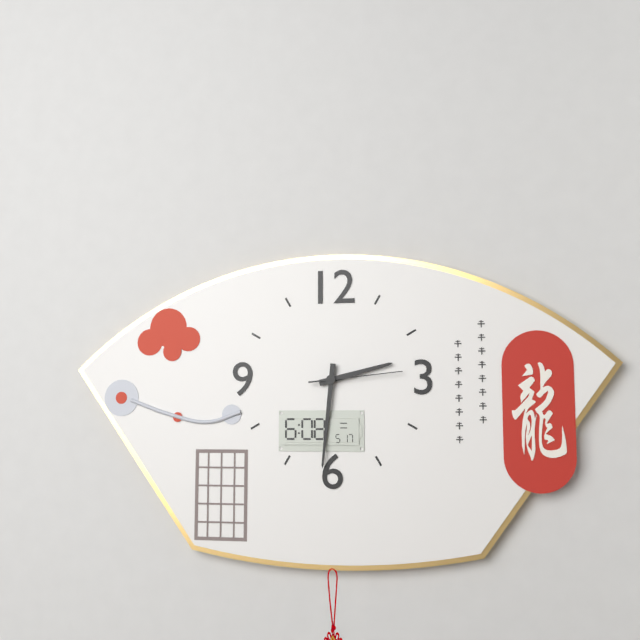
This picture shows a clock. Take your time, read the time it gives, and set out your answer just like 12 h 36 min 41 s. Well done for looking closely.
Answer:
2 h 31 min 14 s
